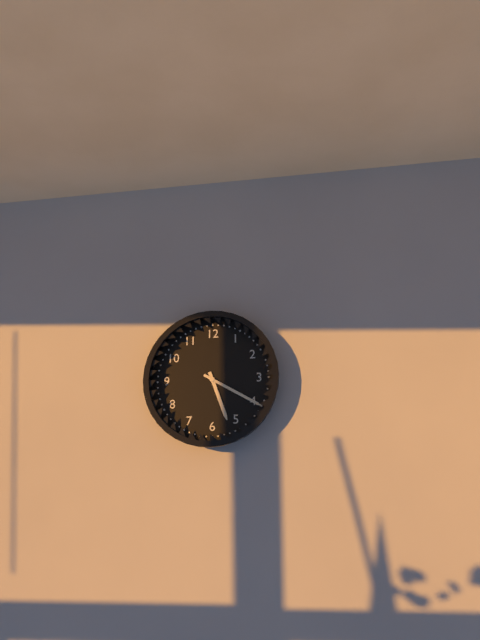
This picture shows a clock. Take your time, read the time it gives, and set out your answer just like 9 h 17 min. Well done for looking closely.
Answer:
5 h 20 min
